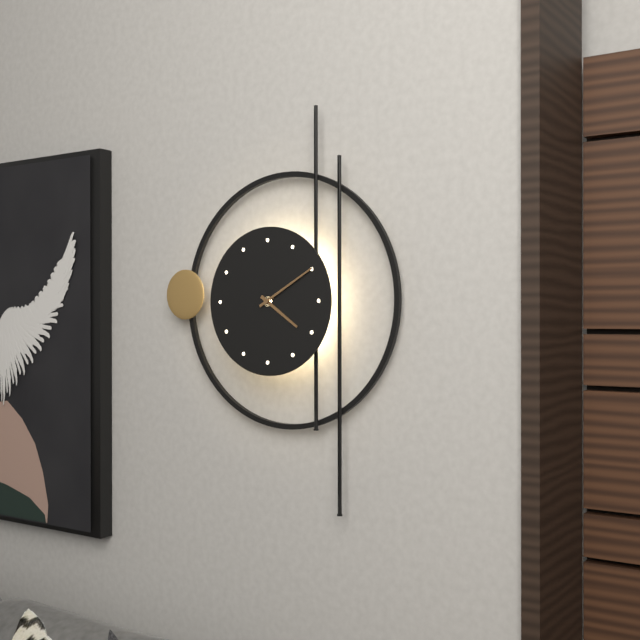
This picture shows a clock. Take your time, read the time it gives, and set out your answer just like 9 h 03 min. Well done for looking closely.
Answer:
4 h 10 min
